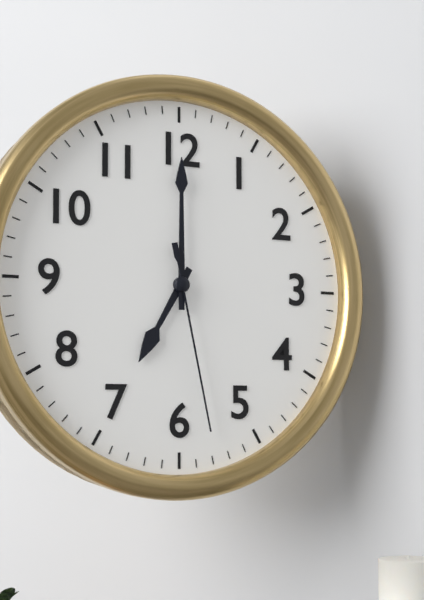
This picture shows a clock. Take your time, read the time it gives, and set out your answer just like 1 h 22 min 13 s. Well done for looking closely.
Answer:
7 h 00 min 28 s
